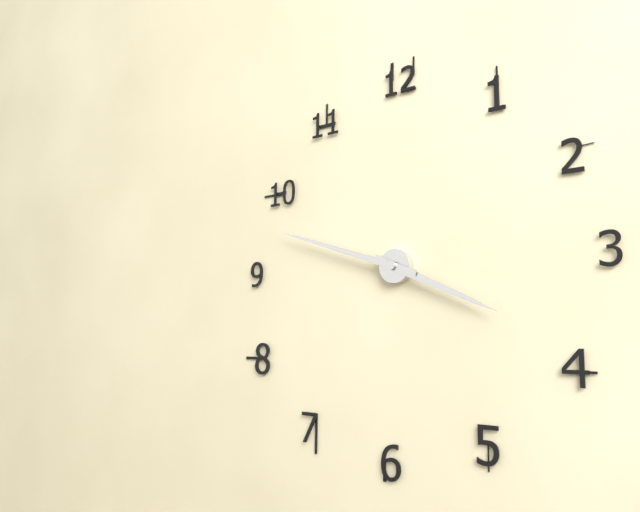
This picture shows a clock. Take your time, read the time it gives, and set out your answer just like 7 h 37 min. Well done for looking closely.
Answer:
3 h 48 min
